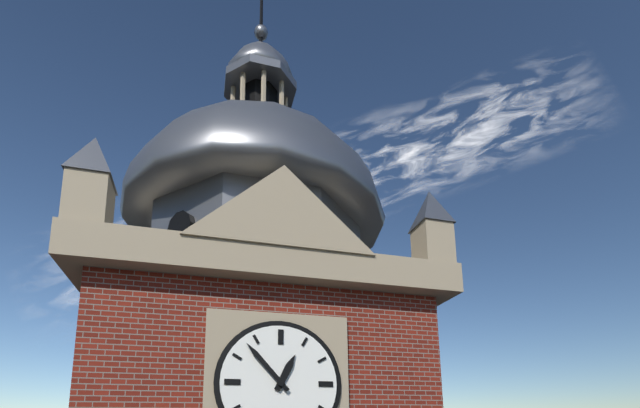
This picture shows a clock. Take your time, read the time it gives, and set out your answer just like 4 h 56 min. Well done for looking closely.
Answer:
12 h 53 min
